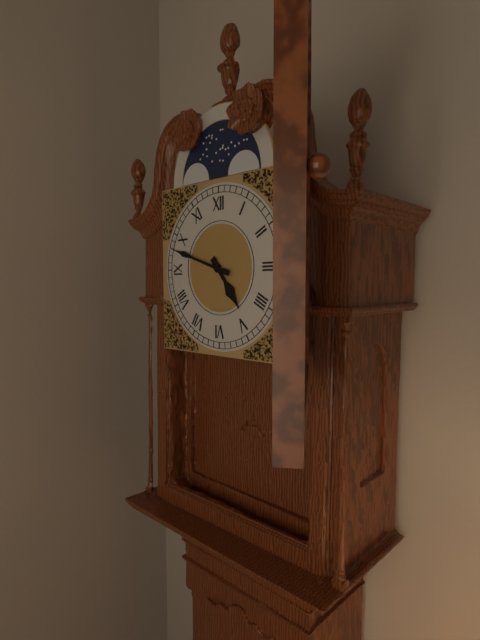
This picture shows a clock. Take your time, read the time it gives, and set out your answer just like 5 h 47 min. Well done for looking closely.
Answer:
4 h 48 min
